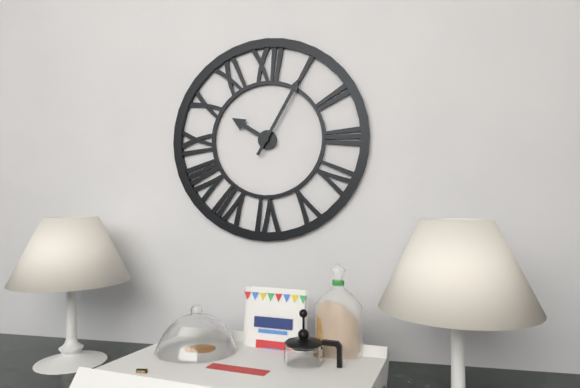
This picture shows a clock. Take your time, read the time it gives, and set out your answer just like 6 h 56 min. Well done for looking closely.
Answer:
10 h 05 min
